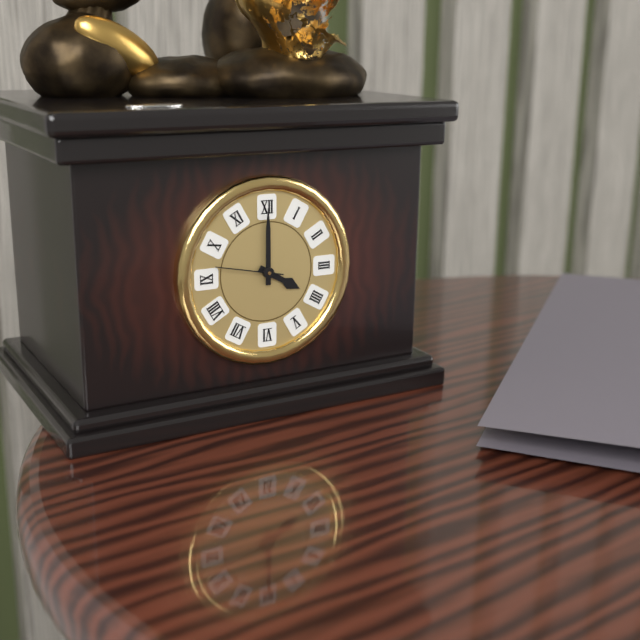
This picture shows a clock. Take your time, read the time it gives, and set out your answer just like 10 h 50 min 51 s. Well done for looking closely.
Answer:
4 h 00 min 47 s
